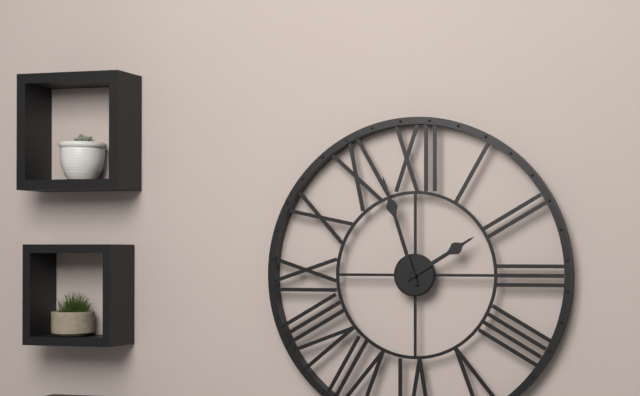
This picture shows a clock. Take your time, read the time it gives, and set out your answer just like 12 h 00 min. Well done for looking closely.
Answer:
1 h 57 min
